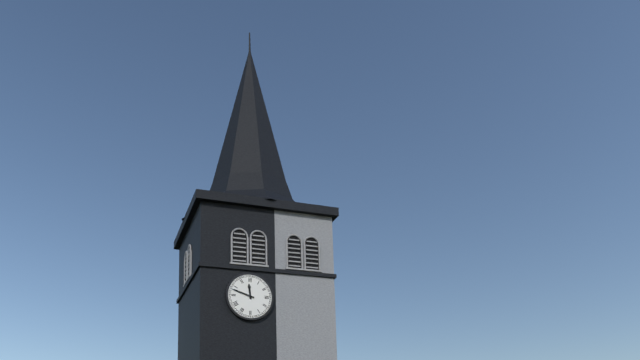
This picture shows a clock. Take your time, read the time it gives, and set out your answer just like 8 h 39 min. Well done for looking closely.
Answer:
11 h 48 min
